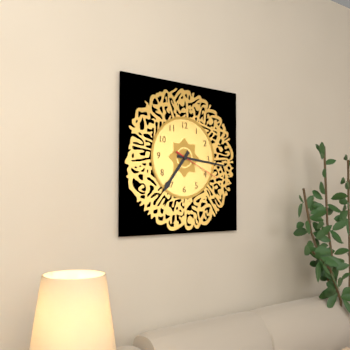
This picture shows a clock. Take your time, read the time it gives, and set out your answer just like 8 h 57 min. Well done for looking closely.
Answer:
7 h 16 min
